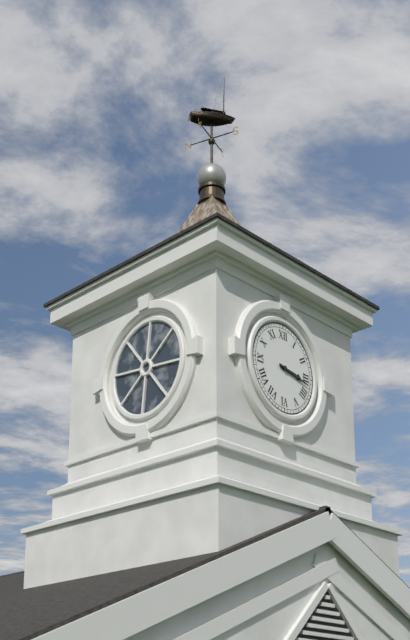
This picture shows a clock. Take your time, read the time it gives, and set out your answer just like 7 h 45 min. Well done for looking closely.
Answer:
3 h 17 min
